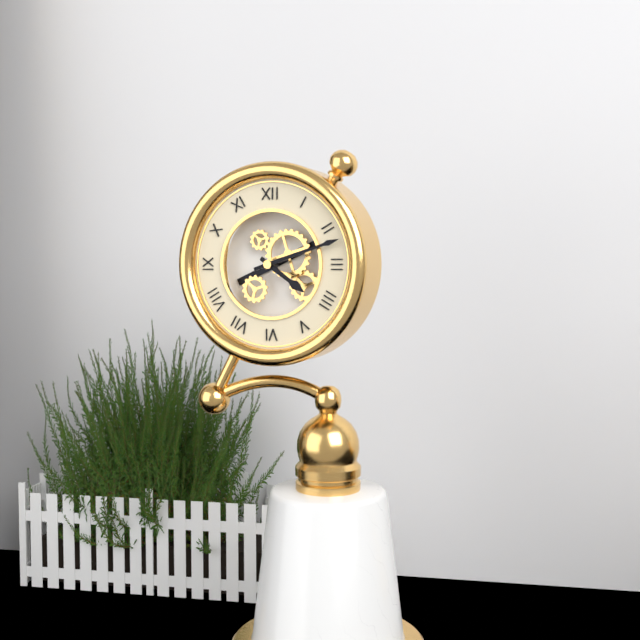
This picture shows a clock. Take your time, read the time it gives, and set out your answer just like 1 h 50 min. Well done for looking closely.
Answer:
4 h 12 min
